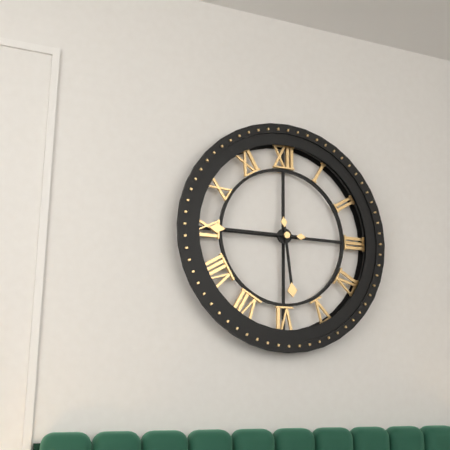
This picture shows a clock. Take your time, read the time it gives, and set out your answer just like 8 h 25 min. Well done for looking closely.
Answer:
5 h 45 min
